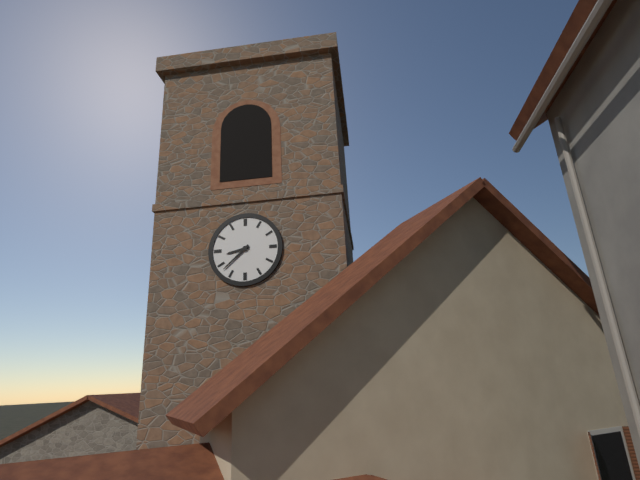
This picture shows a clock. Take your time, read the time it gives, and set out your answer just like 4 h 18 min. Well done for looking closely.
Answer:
8 h 38 min
